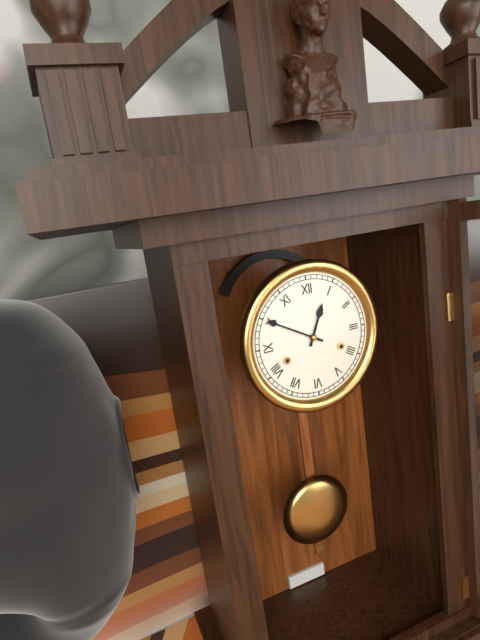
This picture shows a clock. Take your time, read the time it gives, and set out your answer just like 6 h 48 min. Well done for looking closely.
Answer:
12 h 50 min
